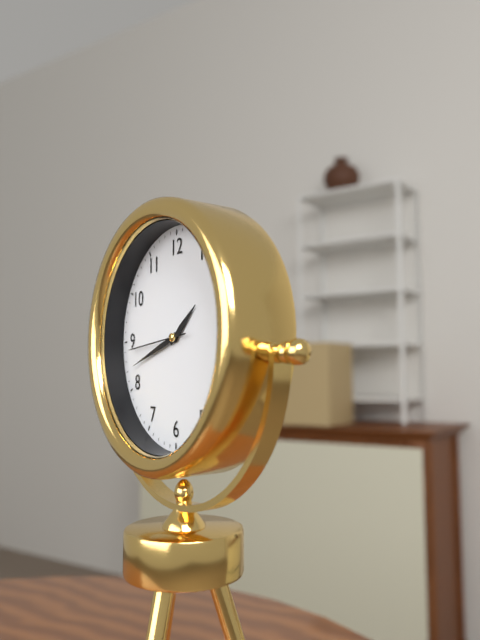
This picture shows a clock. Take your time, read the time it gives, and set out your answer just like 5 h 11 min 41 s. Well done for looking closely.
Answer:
1 h 42 min 44 s
